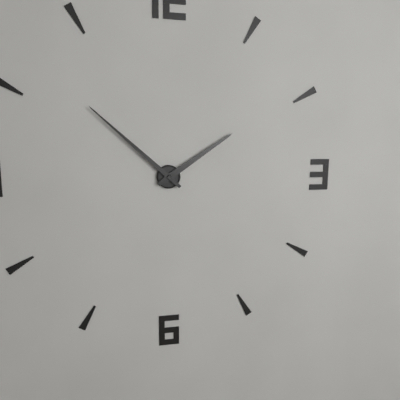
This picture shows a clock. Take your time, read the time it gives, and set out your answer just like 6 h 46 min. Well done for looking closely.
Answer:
1 h 52 min
